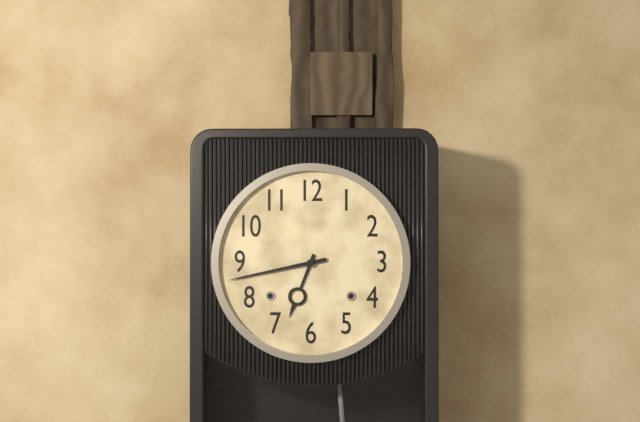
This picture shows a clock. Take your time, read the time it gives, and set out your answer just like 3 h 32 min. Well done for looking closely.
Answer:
6 h 43 min
